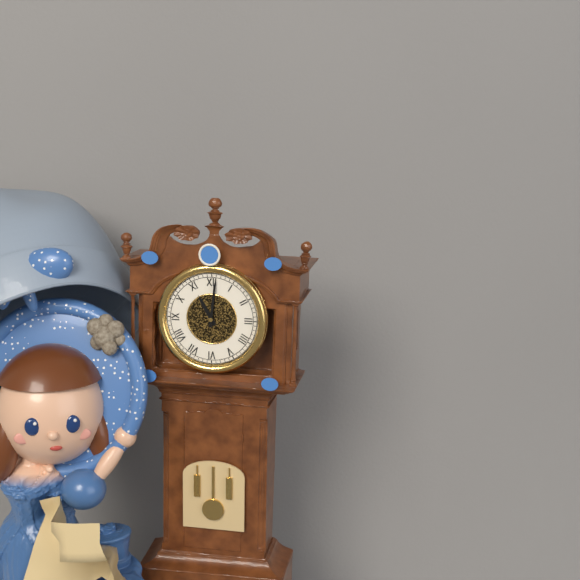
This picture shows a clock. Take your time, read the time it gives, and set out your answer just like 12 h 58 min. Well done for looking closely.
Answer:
11 h 01 min
